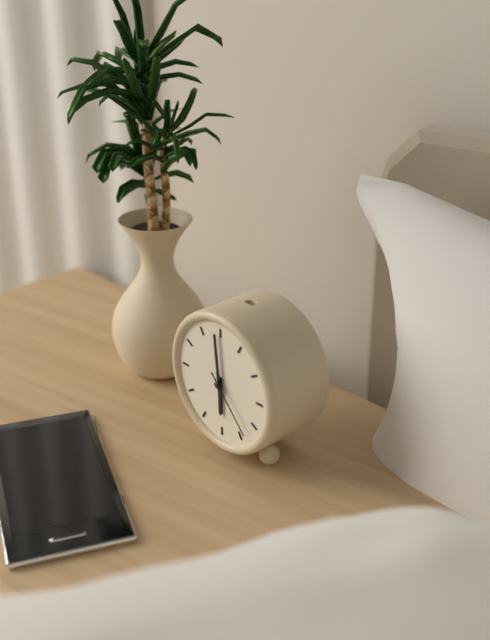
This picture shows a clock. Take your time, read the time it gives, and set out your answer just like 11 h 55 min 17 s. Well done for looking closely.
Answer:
5 h 59 min 23 s
